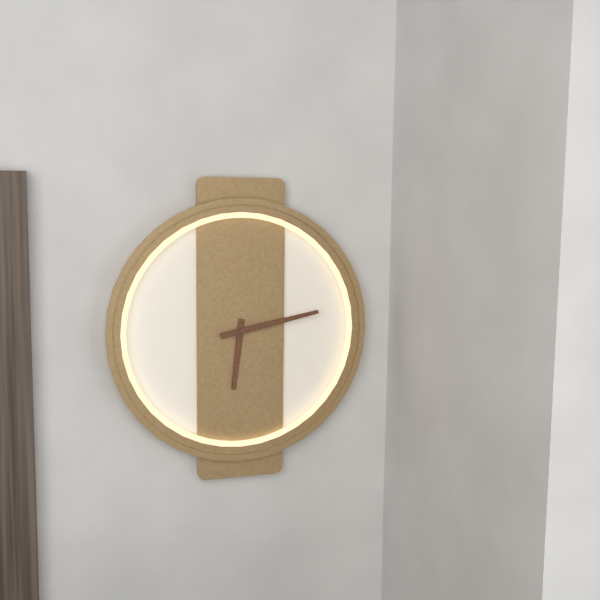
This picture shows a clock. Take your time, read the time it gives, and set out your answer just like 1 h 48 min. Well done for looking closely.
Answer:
6 h 13 min
